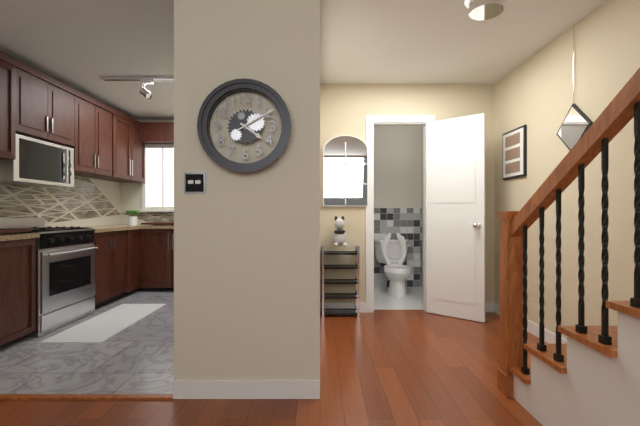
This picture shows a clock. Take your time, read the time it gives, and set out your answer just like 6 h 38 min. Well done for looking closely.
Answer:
4 h 10 min
